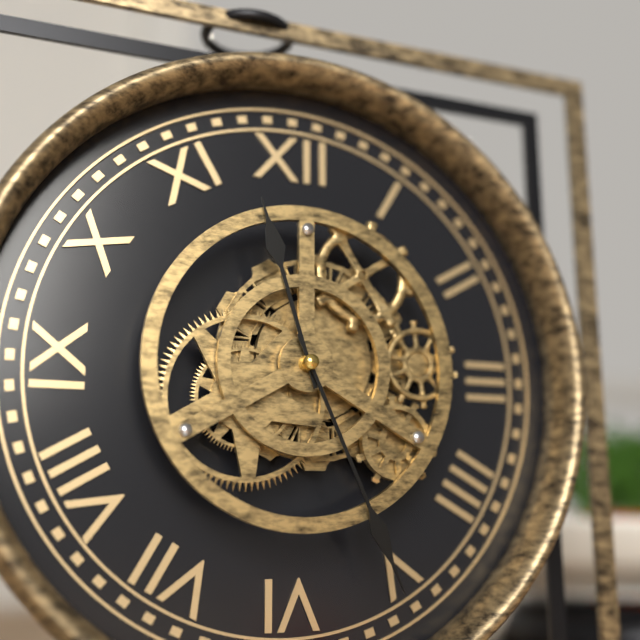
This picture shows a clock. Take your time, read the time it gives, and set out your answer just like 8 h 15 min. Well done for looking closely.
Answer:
11 h 26 min
